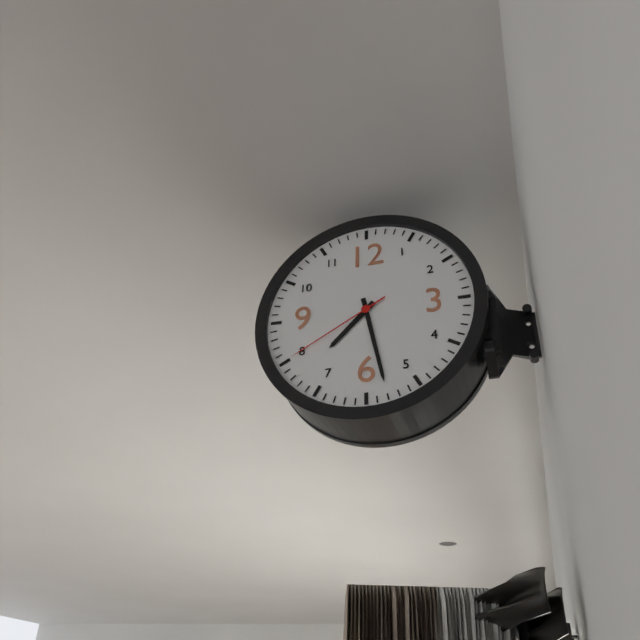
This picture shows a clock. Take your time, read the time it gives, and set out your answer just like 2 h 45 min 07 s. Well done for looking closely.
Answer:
7 h 28 min 40 s
